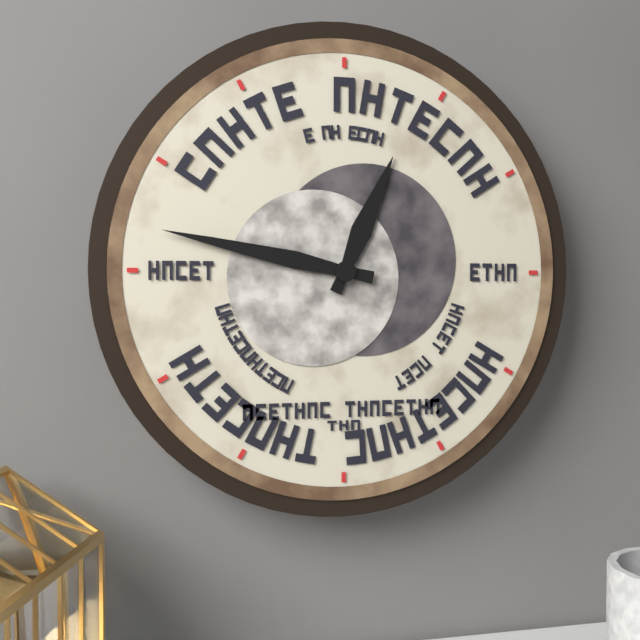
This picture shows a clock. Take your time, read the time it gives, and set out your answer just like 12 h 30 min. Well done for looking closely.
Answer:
12 h 47 min
